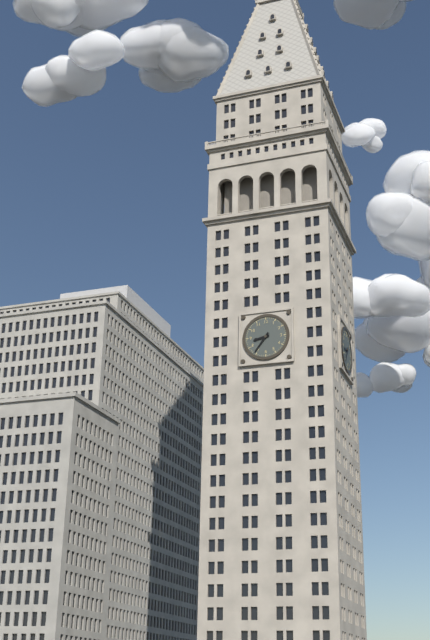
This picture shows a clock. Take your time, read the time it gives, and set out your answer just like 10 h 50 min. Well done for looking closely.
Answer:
8 h 36 min
